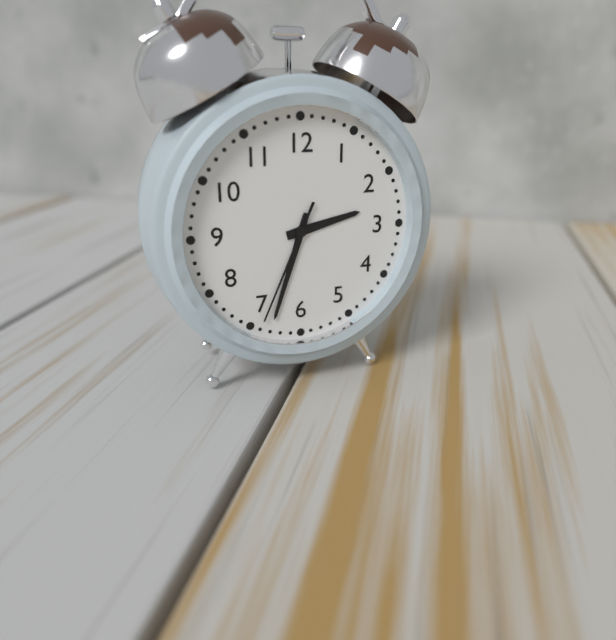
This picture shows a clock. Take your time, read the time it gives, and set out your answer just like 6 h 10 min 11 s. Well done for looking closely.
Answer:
2 h 33 min 34 s
